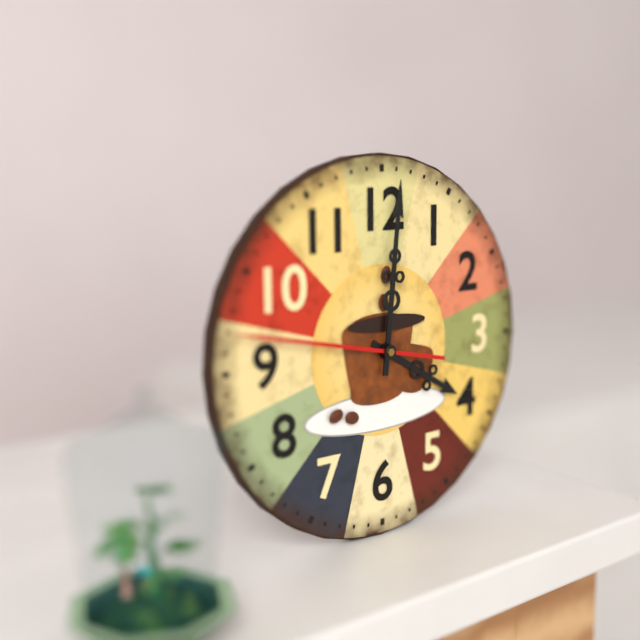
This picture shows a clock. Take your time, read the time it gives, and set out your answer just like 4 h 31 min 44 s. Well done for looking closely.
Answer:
4 h 01 min 47 s
